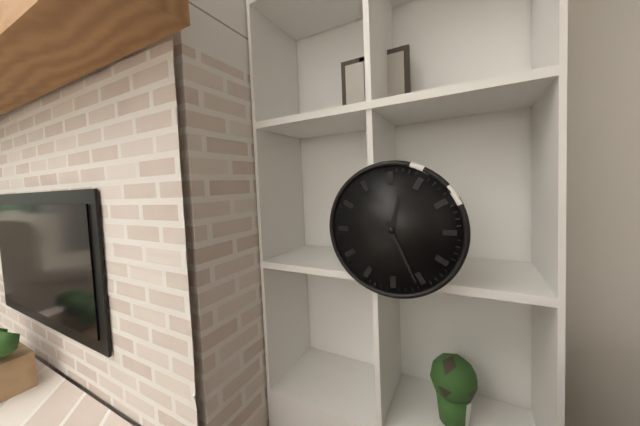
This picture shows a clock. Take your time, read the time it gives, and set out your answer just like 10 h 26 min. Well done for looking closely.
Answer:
12 h 26 min
